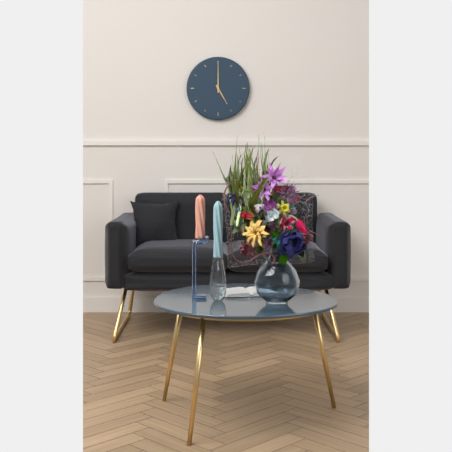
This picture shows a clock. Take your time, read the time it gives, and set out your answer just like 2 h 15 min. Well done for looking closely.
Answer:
5 h 00 min
